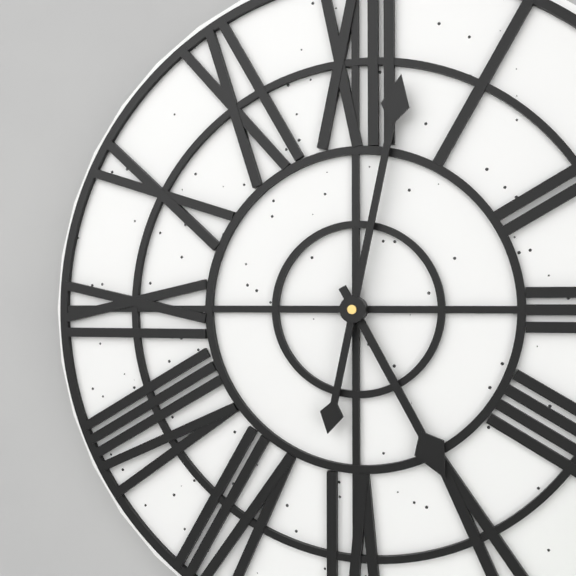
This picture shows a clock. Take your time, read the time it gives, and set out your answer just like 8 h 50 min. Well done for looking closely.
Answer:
5 h 02 min
